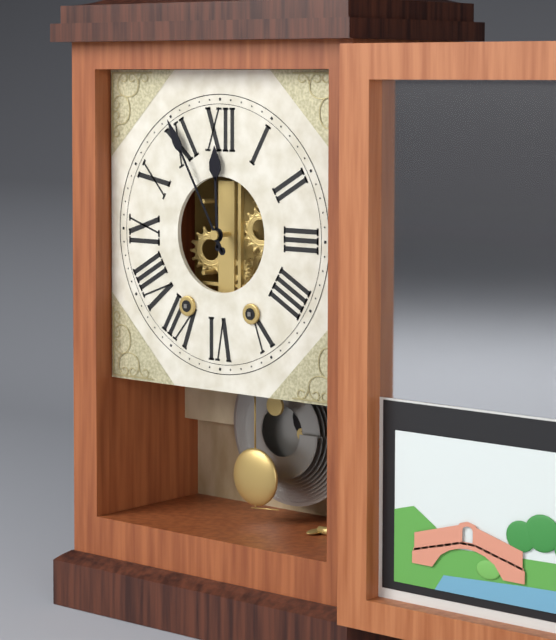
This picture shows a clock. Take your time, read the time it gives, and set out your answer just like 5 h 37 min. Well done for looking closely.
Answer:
11 h 55 min
